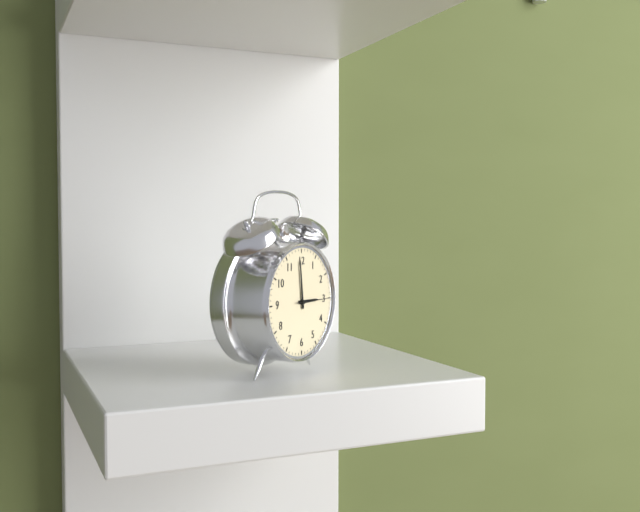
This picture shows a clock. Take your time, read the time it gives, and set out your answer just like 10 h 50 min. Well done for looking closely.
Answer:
2 h 59 min
